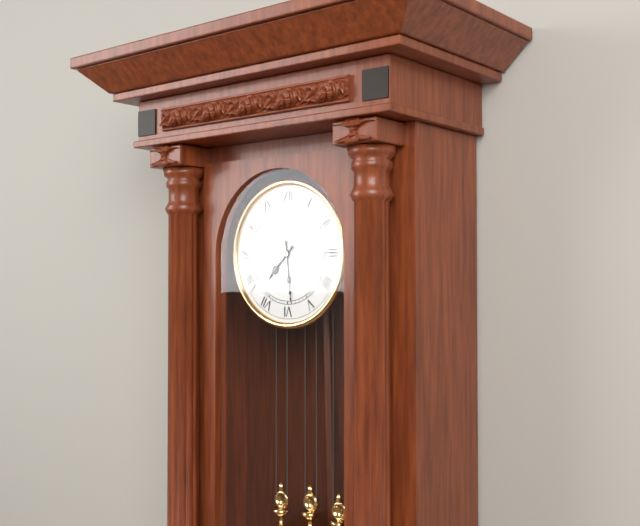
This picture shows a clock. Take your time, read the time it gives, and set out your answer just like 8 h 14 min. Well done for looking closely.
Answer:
7 h 29 min
